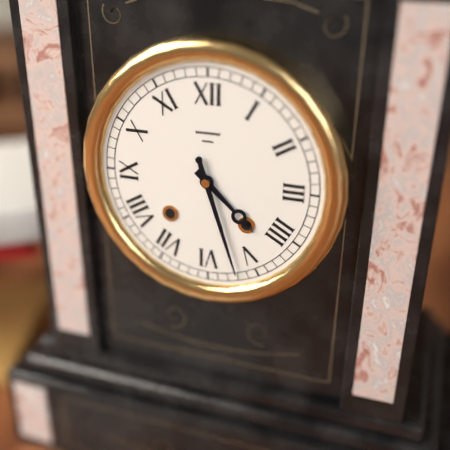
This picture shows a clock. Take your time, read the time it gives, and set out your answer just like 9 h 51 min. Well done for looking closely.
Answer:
4 h 27 min
